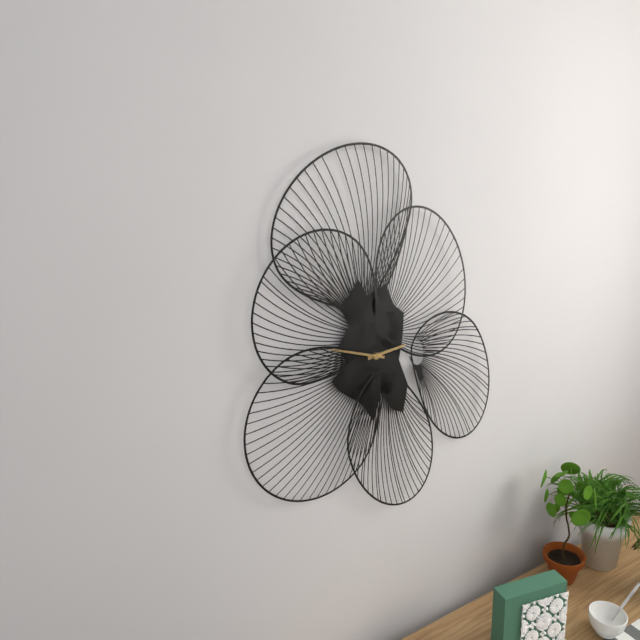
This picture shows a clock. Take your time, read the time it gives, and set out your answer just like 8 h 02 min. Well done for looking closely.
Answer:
2 h 48 min
